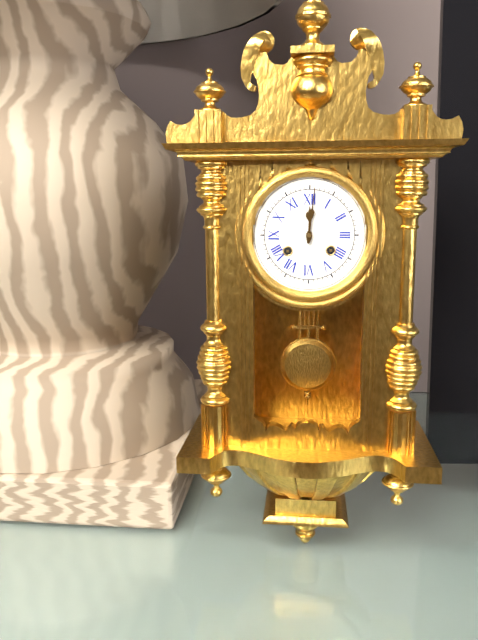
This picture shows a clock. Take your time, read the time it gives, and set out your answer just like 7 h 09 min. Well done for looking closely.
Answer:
12 h 01 min
